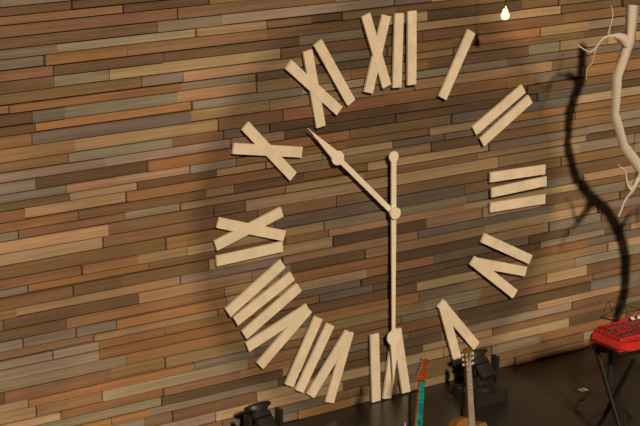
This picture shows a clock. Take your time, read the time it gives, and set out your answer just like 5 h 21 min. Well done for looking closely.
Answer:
10 h 30 min
